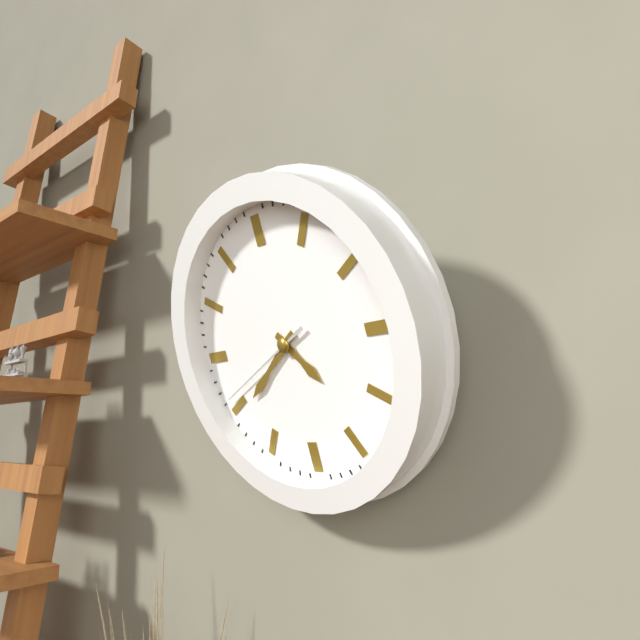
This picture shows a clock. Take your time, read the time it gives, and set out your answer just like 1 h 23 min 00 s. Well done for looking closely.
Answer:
4 h 39 min 41 s
